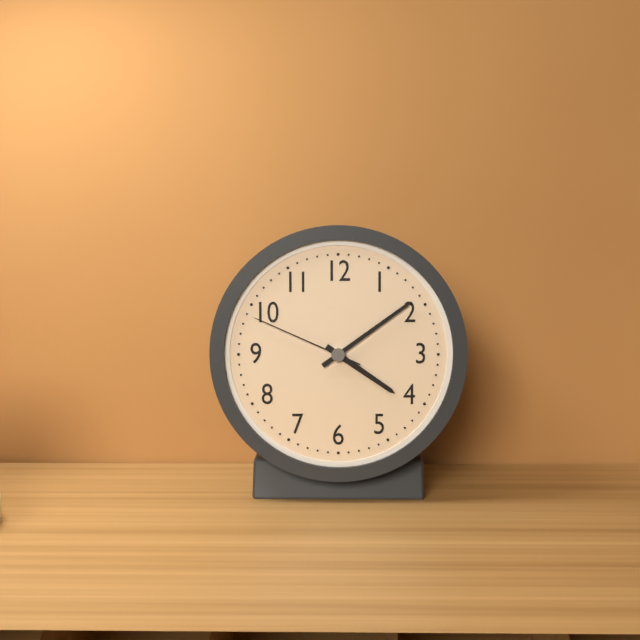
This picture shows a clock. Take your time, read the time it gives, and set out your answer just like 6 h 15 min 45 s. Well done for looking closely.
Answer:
4 h 09 min 49 s
